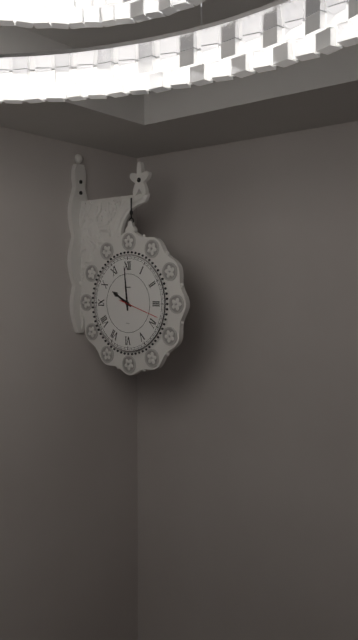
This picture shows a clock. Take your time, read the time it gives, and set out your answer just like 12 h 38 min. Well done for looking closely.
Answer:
9 h 59 min
